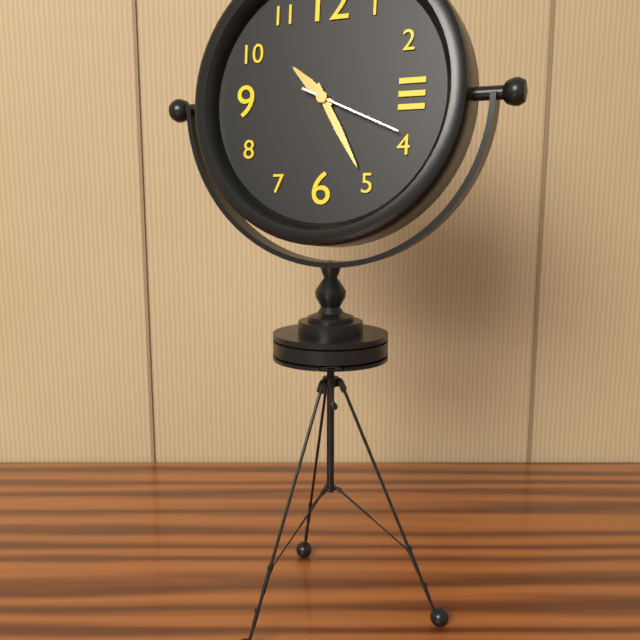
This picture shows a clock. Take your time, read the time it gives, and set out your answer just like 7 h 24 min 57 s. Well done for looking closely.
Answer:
10 h 25 min 19 s
